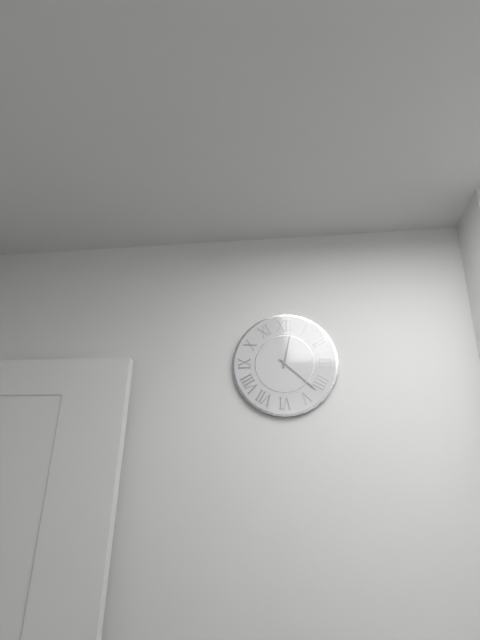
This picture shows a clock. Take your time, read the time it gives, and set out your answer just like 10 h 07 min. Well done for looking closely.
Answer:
12 h 22 min
